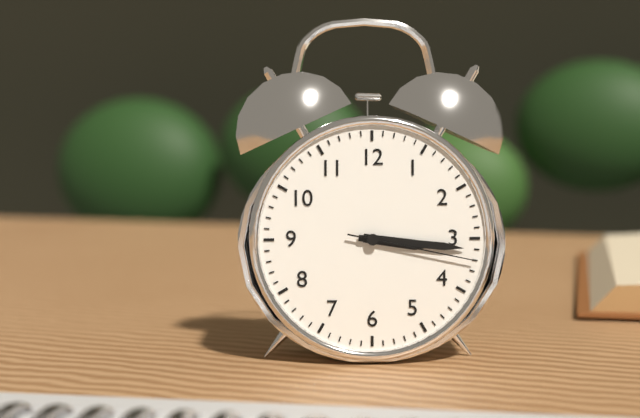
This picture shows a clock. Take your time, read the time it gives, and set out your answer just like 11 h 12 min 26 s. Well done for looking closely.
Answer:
3 h 16 min 17 s
